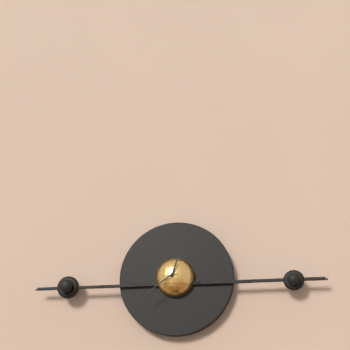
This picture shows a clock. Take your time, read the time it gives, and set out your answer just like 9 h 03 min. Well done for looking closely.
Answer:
12 h 39 min
